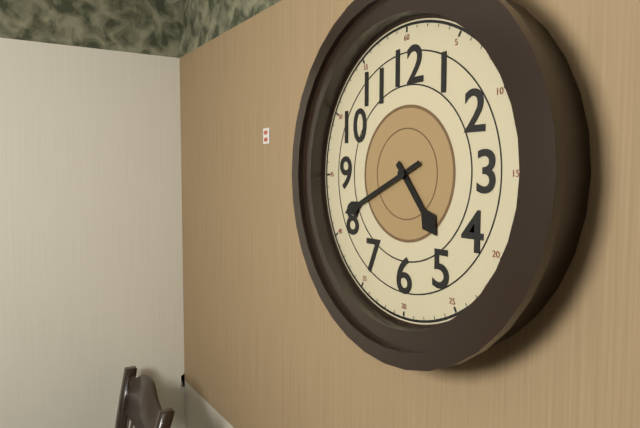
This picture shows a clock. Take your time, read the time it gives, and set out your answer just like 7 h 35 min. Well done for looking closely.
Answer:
4 h 41 min
